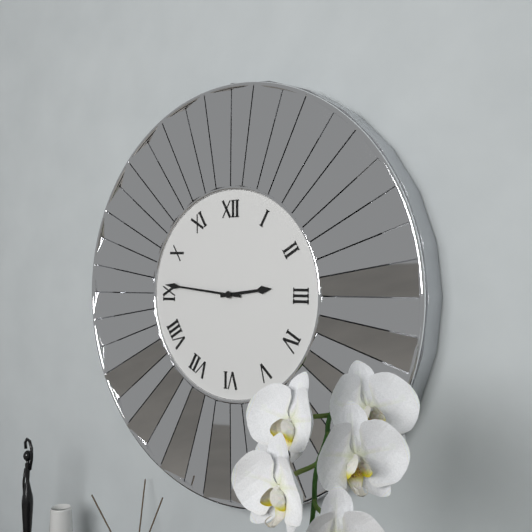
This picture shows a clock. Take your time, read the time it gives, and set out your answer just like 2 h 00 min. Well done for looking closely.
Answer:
2 h 46 min
